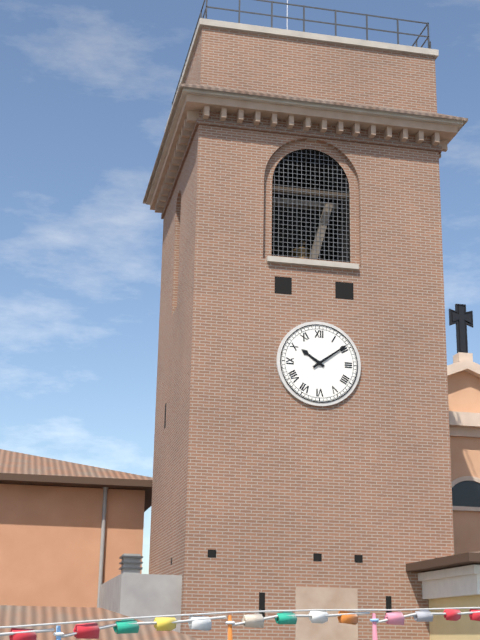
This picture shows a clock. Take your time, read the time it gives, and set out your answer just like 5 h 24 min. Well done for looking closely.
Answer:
10 h 09 min
